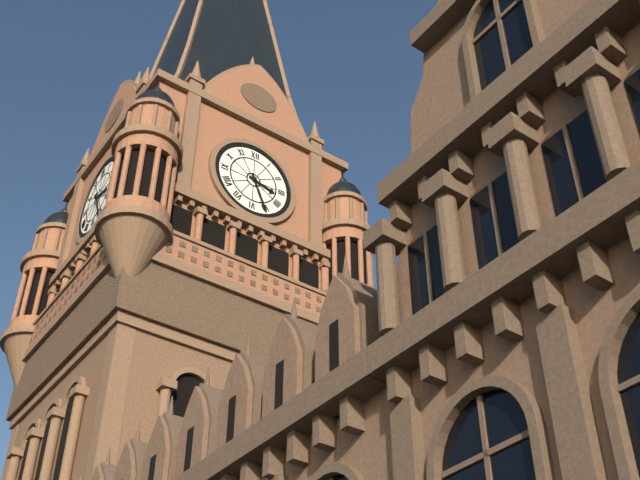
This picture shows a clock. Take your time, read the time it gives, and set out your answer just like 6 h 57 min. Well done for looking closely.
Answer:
3 h 26 min
